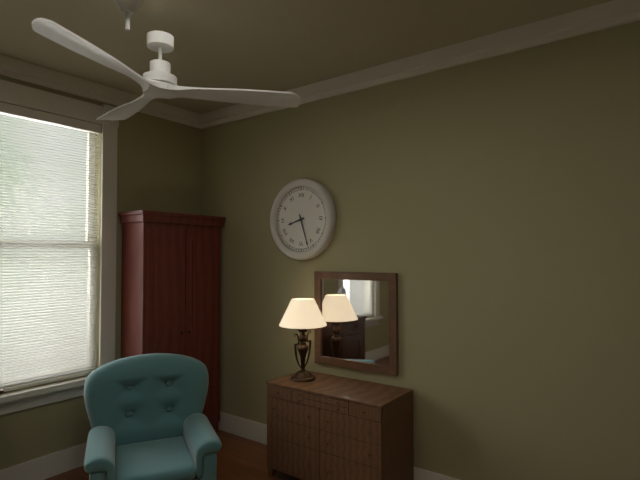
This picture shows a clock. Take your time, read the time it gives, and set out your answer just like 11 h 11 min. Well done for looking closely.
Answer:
8 h 27 min
